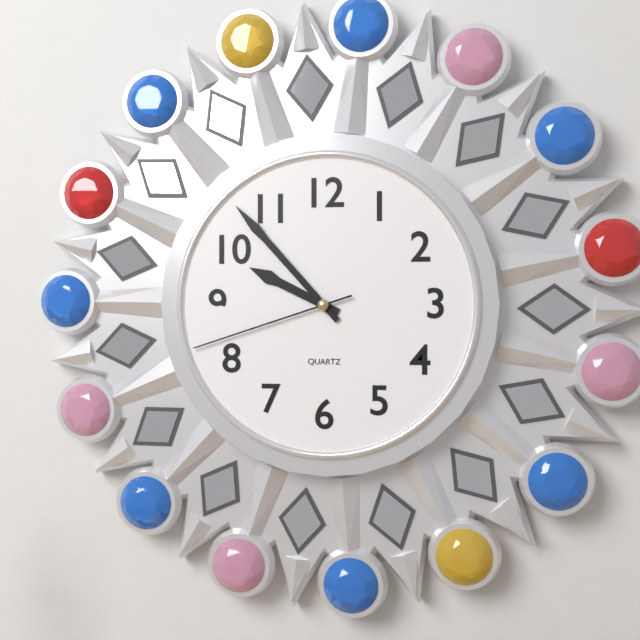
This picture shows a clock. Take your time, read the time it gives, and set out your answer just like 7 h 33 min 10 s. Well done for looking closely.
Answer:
9 h 53 min 42 s
